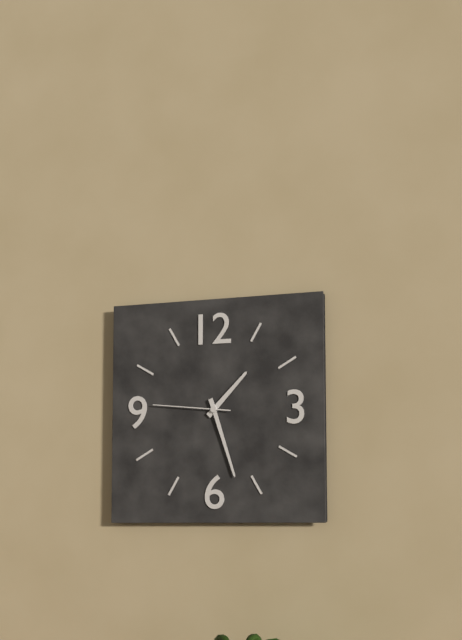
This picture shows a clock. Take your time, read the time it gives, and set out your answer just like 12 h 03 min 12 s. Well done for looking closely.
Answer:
1 h 27 min 46 s
